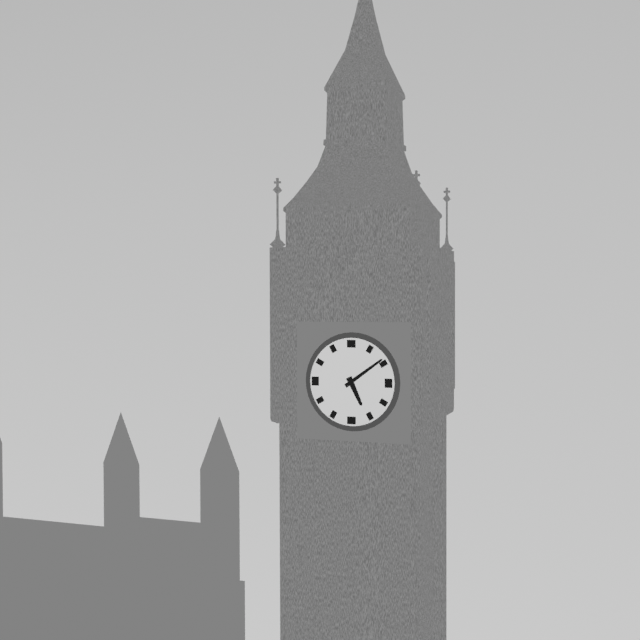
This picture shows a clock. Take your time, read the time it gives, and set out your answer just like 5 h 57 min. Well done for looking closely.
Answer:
5 h 09 min
